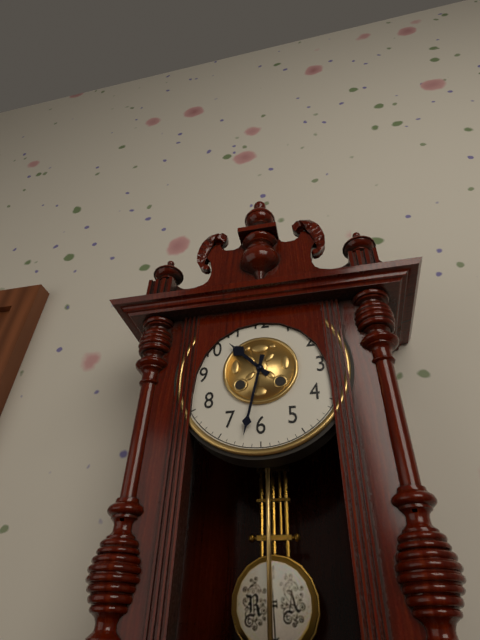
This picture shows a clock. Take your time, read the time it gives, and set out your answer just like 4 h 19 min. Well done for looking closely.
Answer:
10 h 32 min
